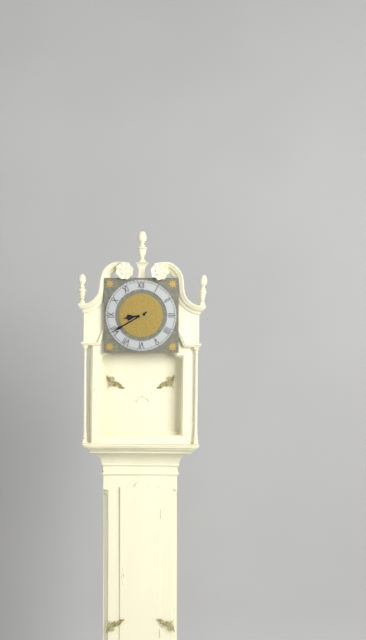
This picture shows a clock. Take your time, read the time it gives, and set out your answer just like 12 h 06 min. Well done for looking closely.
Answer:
8 h 40 min
